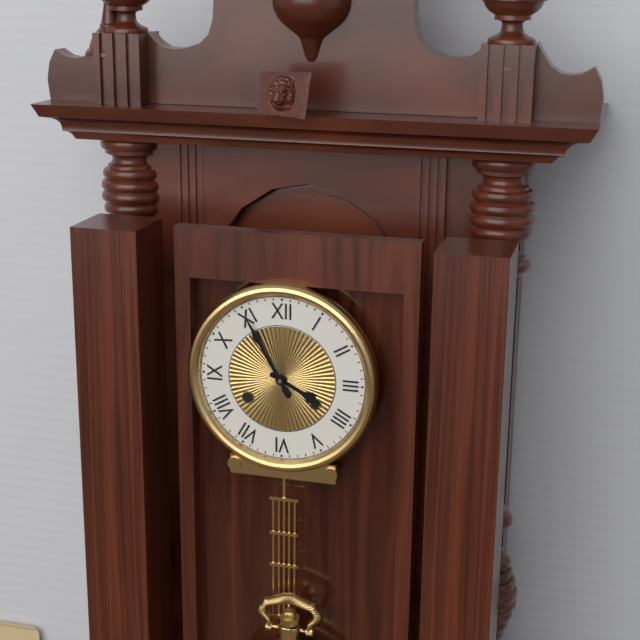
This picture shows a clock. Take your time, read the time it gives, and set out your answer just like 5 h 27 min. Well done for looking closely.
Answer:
3 h 55 min
